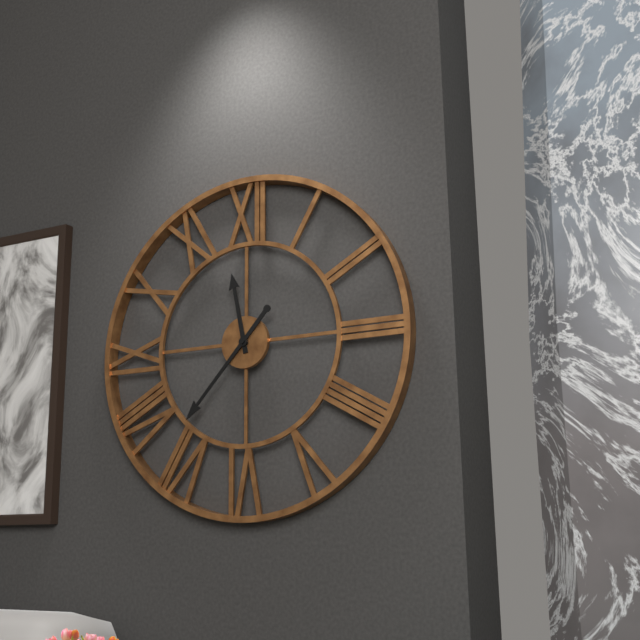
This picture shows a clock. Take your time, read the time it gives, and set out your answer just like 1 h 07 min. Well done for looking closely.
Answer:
11 h 37 min
